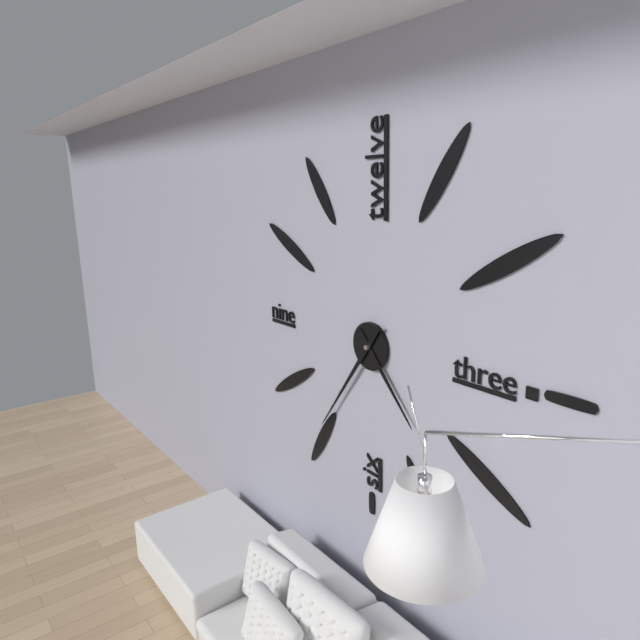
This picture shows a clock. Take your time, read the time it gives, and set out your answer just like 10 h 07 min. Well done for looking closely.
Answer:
4 h 36 min
